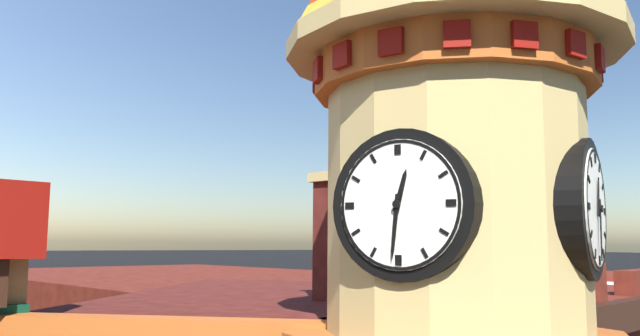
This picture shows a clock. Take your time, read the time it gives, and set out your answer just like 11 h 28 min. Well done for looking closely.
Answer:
12 h 31 min
